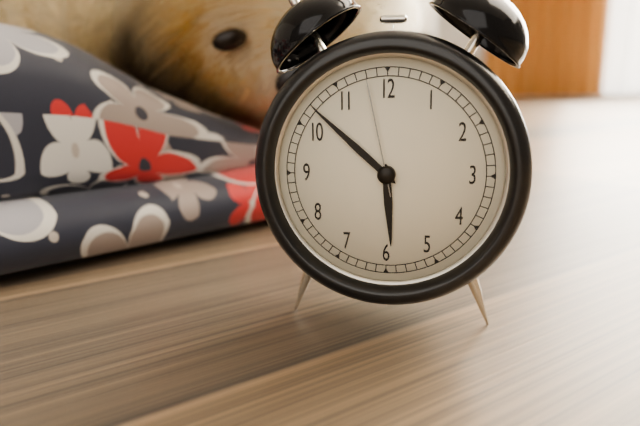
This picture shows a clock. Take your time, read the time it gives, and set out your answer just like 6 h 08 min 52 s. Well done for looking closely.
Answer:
5 h 52 min 58 s
